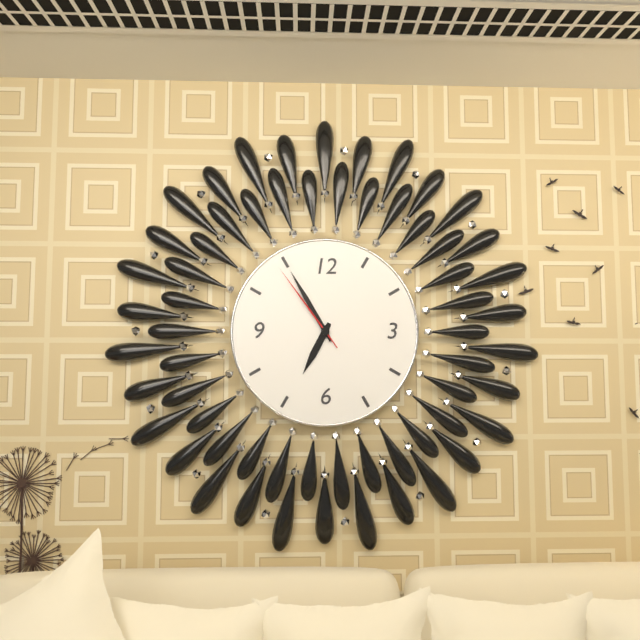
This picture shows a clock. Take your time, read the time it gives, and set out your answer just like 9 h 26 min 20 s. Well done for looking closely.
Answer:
6 h 55 min 54 s
